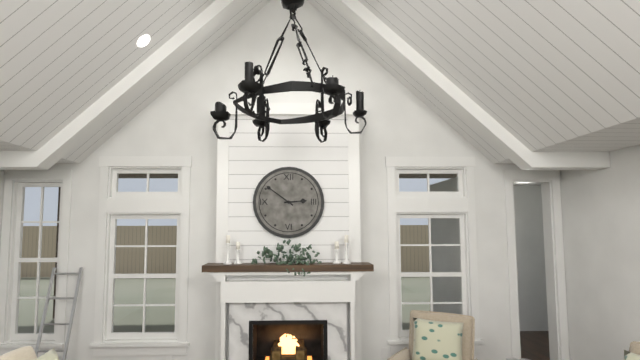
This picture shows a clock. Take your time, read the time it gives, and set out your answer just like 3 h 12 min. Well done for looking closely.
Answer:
2 h 51 min
